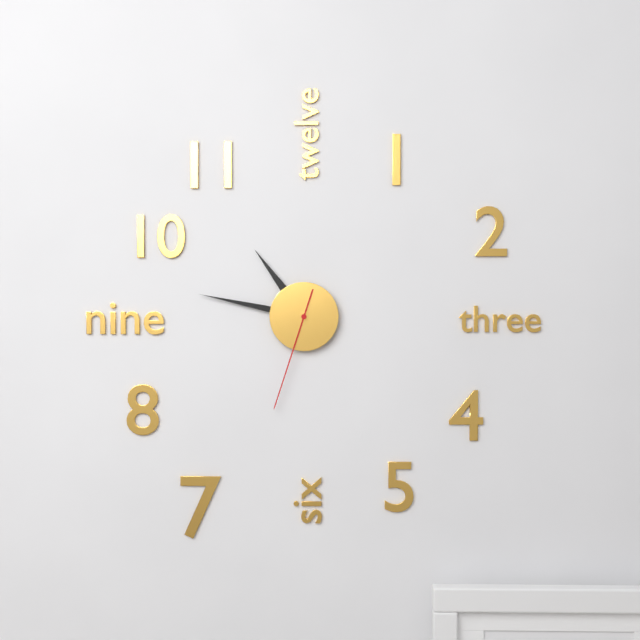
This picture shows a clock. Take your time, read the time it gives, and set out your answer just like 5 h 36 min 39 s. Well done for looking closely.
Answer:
10 h 47 min 33 s
